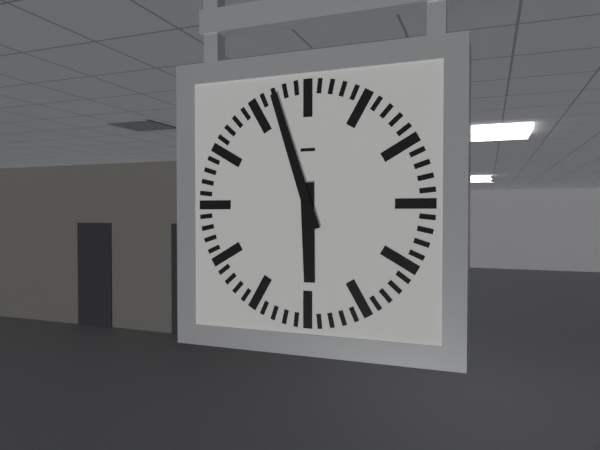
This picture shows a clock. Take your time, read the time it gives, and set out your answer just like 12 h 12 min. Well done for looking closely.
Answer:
5 h 57 min
